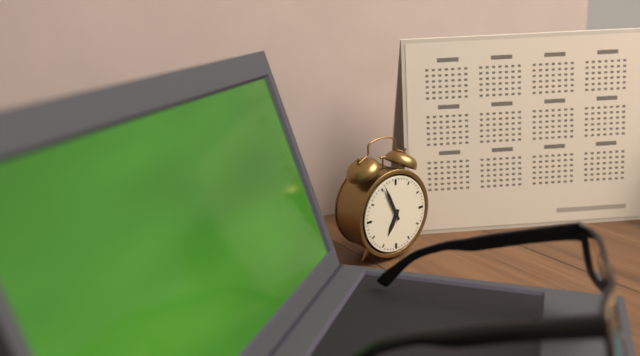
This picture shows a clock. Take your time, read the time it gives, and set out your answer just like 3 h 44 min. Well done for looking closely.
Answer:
6 h 56 min
